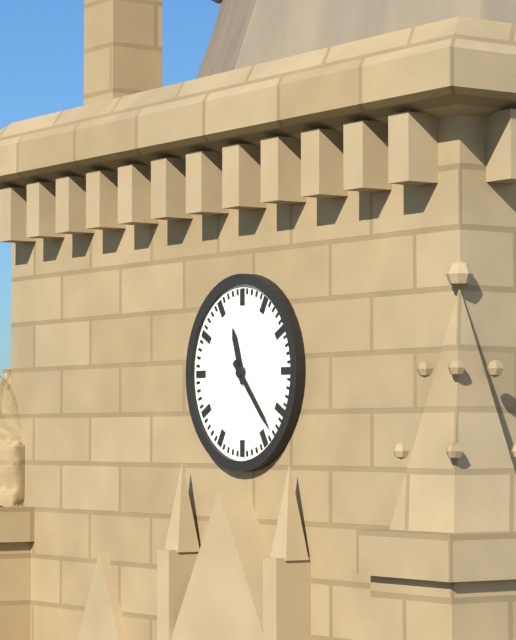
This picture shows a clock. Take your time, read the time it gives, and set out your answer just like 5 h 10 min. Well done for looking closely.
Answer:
11 h 23 min
